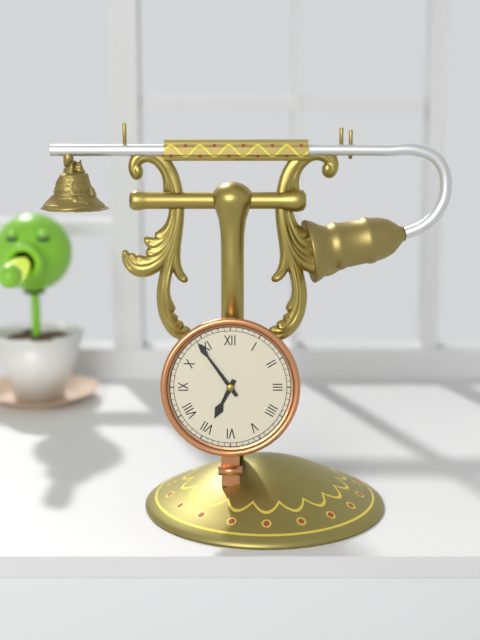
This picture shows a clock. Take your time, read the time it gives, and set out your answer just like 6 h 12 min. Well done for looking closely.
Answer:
6 h 54 min
